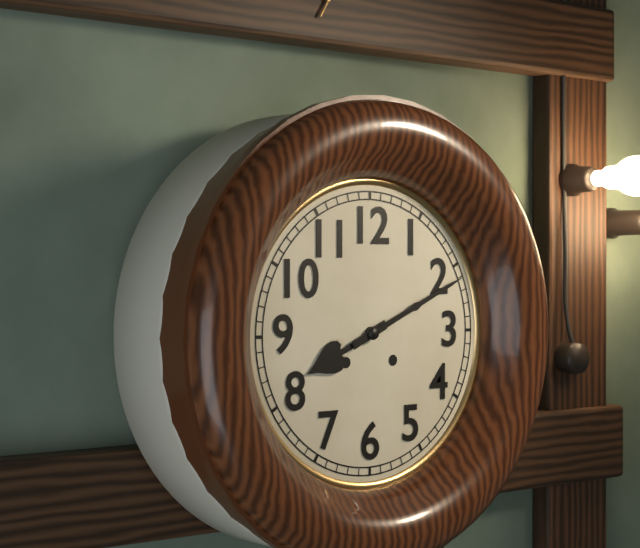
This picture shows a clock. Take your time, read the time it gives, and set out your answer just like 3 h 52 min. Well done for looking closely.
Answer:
8 h 11 min
